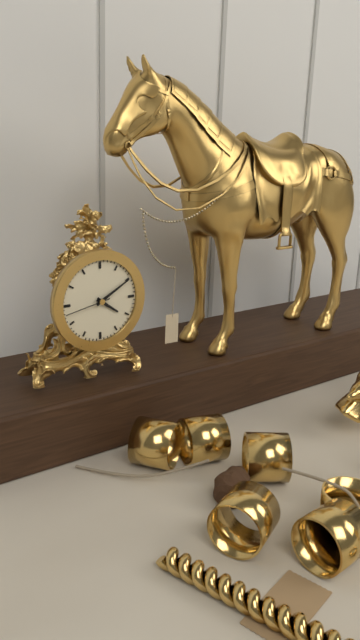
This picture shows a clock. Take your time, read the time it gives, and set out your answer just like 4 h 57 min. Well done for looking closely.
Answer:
4 h 10 min
